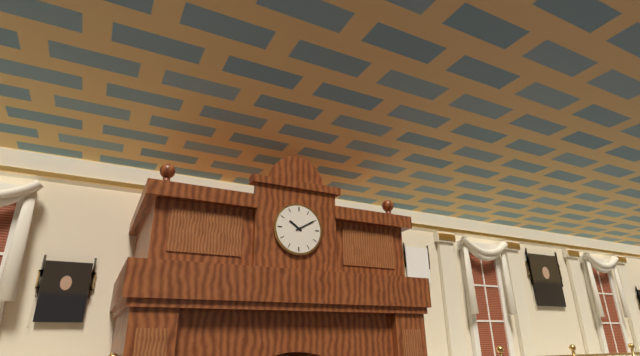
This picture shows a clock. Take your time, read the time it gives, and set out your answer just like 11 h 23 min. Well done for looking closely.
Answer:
10 h 10 min
